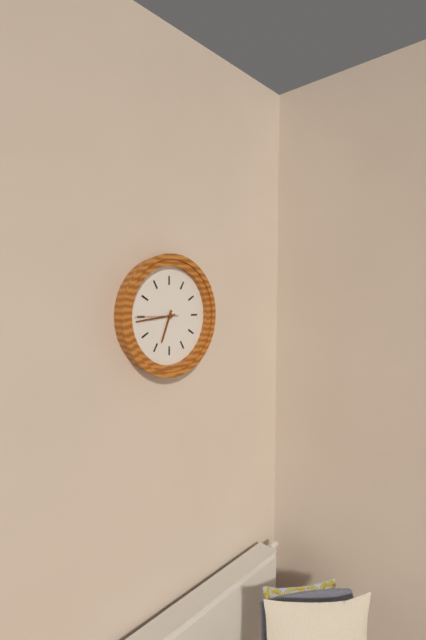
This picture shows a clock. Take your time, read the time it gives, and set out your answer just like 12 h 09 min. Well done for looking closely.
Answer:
6 h 44 min
